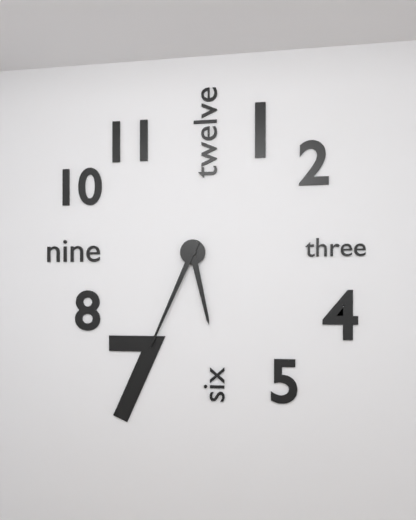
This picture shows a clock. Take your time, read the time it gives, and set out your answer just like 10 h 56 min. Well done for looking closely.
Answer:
5 h 34 min
